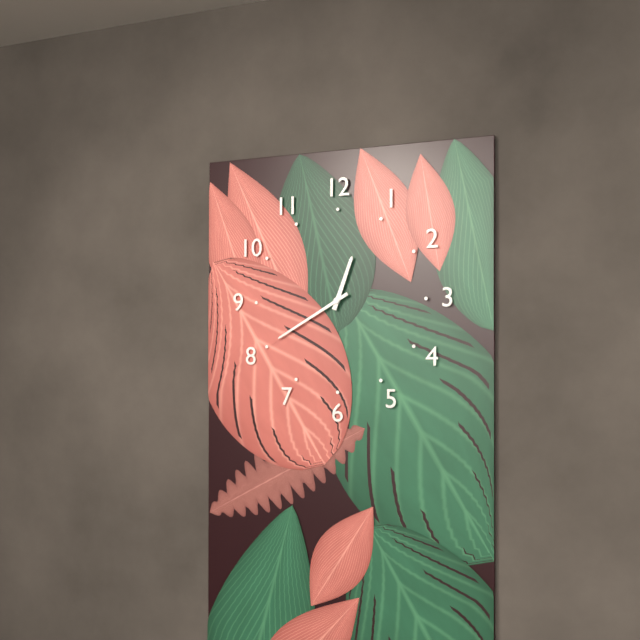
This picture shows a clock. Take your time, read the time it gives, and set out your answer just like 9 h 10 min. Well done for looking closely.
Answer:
12 h 40 min
